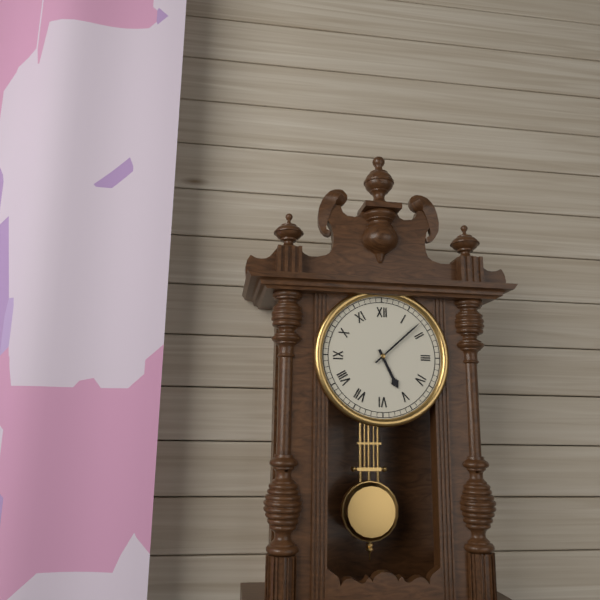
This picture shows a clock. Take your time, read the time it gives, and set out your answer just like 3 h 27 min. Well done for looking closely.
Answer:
5 h 08 min
